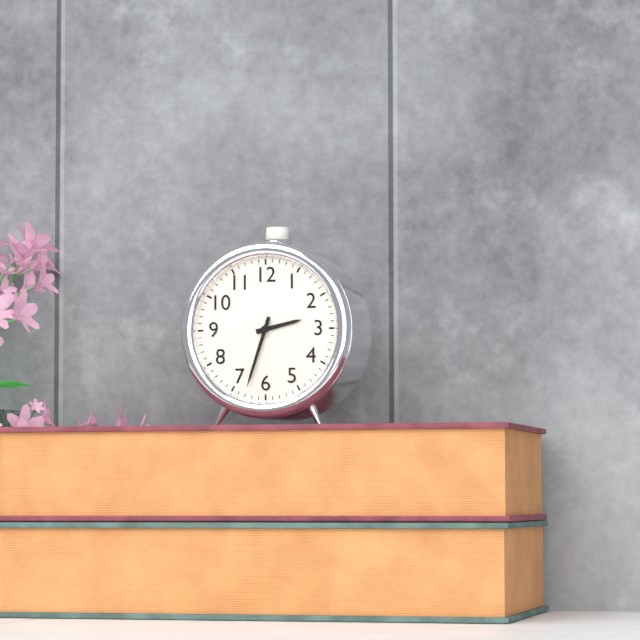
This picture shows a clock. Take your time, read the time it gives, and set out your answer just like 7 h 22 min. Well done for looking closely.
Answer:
2 h 33 min
